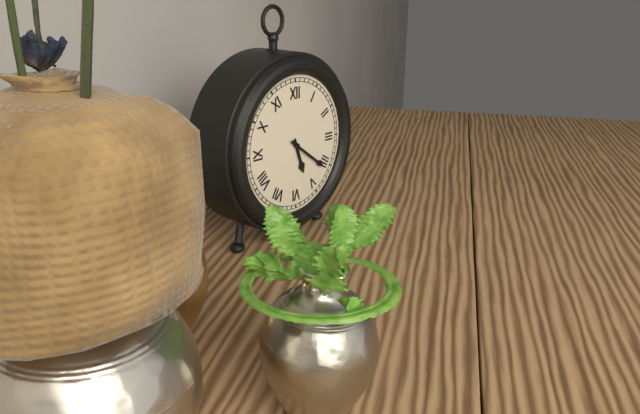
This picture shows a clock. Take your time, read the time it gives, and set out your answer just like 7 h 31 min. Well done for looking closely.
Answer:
5 h 21 min
